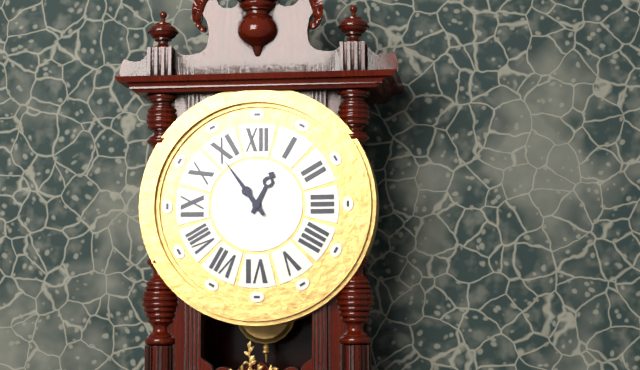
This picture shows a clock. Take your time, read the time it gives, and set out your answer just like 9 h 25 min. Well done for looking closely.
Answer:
12 h 54 min
